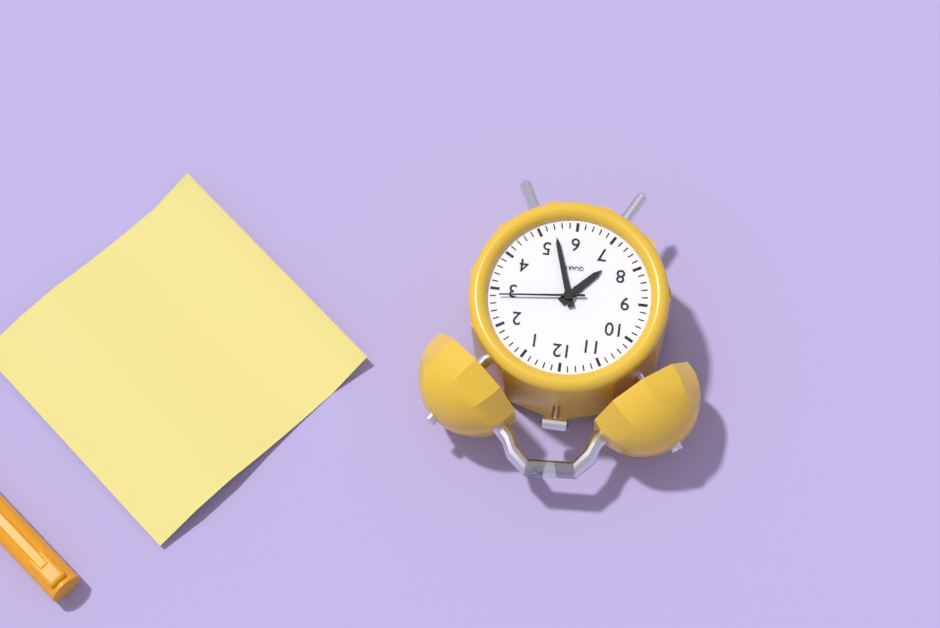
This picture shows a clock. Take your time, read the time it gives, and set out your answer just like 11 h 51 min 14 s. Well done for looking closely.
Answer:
7 h 27 min 14 s
